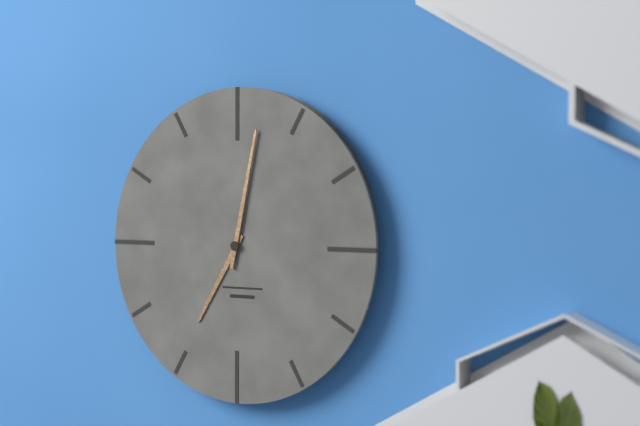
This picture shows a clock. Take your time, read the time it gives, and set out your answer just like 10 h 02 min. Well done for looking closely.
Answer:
7 h 02 min
